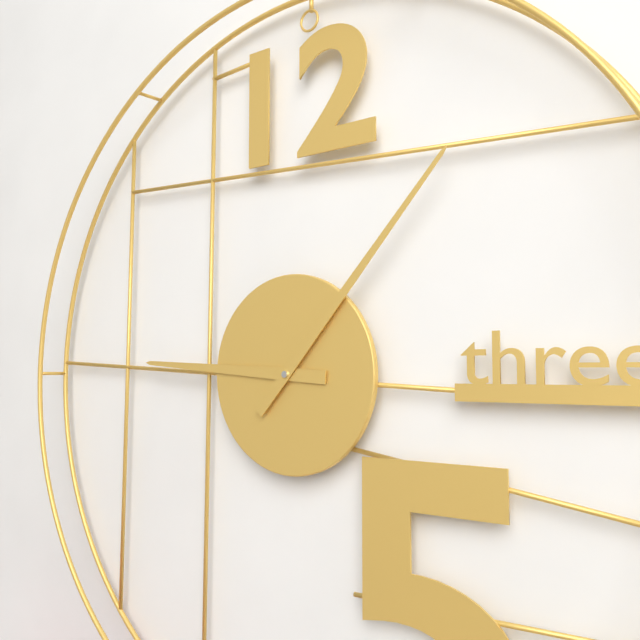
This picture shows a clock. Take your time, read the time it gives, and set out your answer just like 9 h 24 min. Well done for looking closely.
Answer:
9 h 07 min
